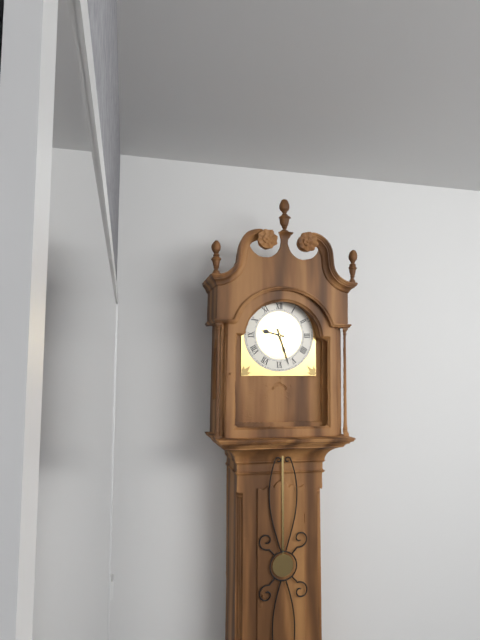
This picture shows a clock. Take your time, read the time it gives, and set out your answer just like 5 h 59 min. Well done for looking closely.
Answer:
9 h 27 min
